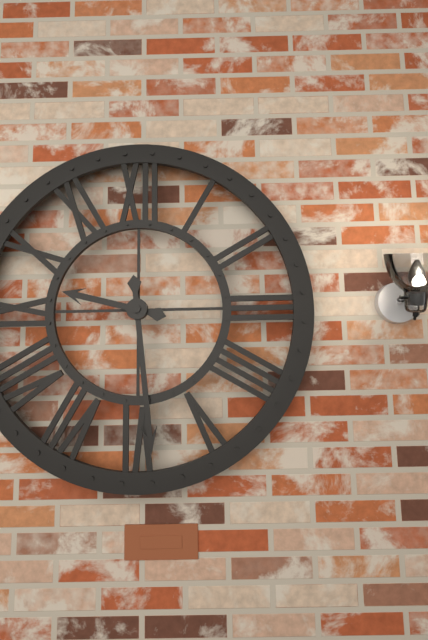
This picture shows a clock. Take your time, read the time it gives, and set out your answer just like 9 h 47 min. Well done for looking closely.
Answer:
9 h 29 min
